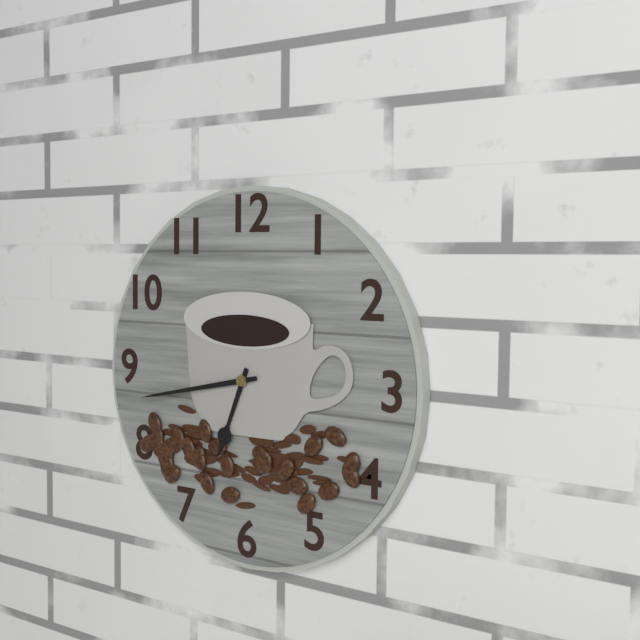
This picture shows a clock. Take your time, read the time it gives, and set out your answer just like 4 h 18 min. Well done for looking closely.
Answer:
6 h 43 min
